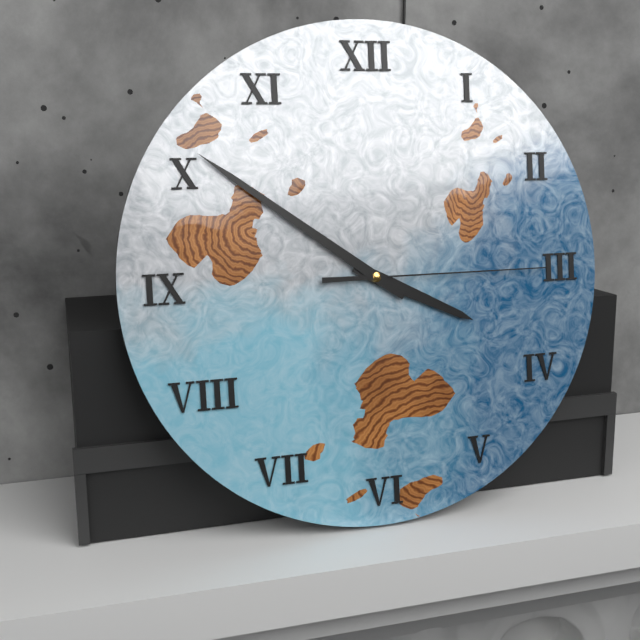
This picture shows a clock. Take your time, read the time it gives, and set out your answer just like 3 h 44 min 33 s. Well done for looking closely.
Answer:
3 h 51 min 15 s
